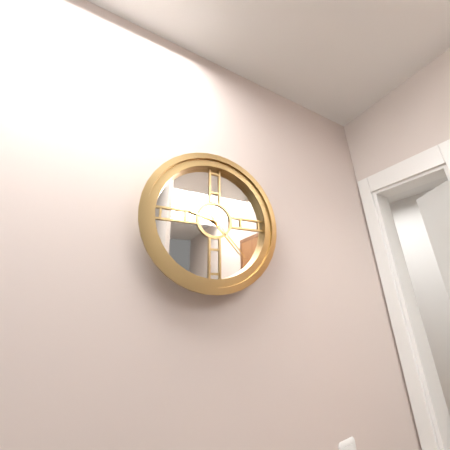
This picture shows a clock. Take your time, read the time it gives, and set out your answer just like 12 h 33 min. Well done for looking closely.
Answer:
9 h 23 min
